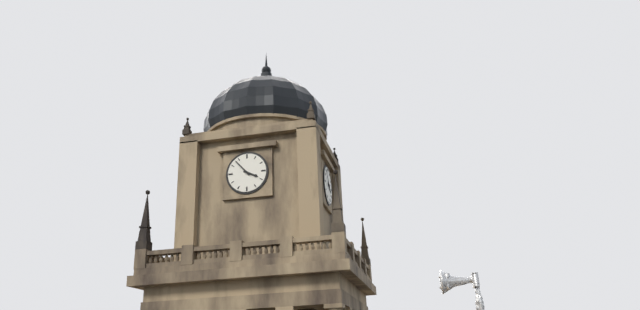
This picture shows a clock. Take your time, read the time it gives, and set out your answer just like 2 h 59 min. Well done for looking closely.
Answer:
3 h 53 min
